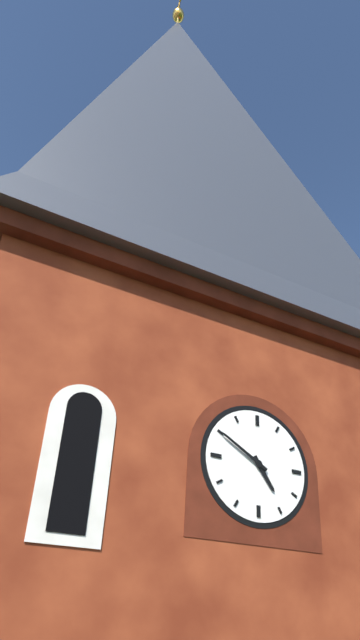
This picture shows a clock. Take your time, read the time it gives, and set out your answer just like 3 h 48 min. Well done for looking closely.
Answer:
4 h 50 min
